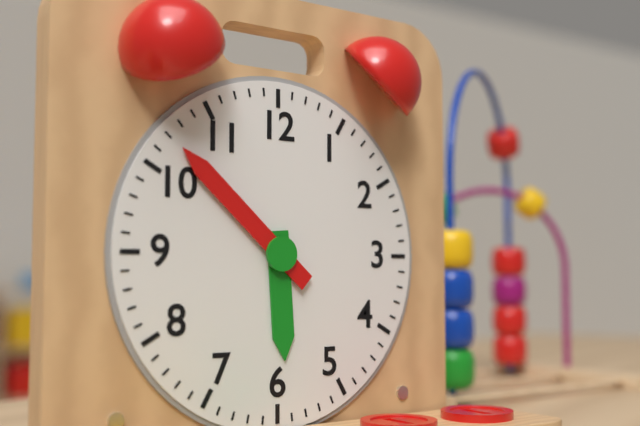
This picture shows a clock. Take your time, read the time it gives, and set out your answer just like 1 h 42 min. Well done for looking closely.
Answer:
5 h 52 min
